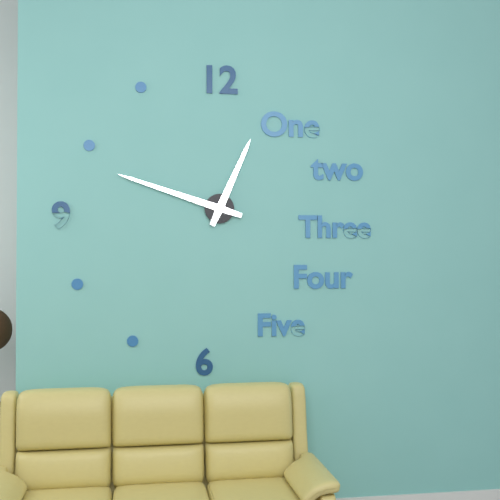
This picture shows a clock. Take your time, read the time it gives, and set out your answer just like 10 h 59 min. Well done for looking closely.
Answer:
12 h 48 min
